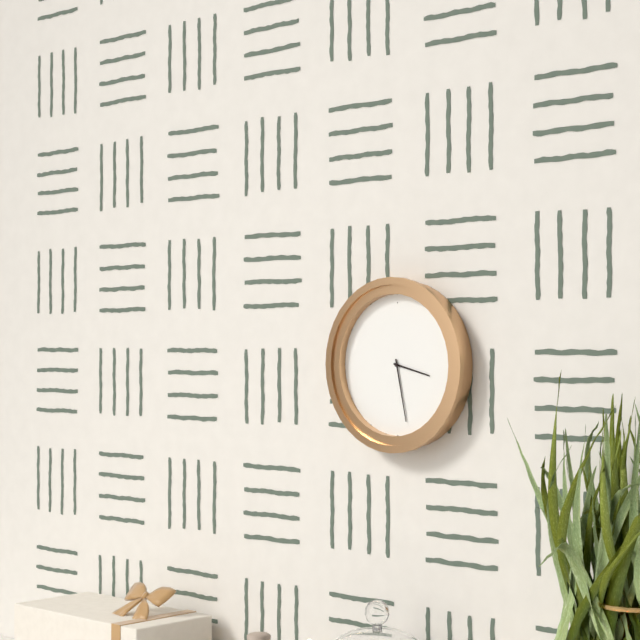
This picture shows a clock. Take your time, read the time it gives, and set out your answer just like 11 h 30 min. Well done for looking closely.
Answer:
3 h 28 min
